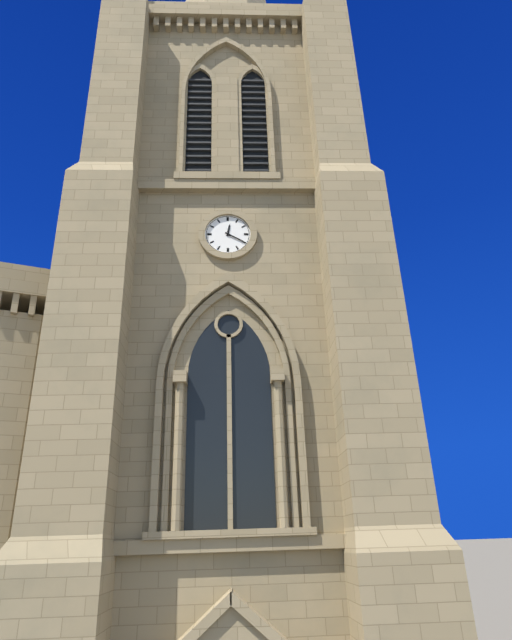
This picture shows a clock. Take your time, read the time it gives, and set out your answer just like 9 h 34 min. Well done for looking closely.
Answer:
12 h 20 min
